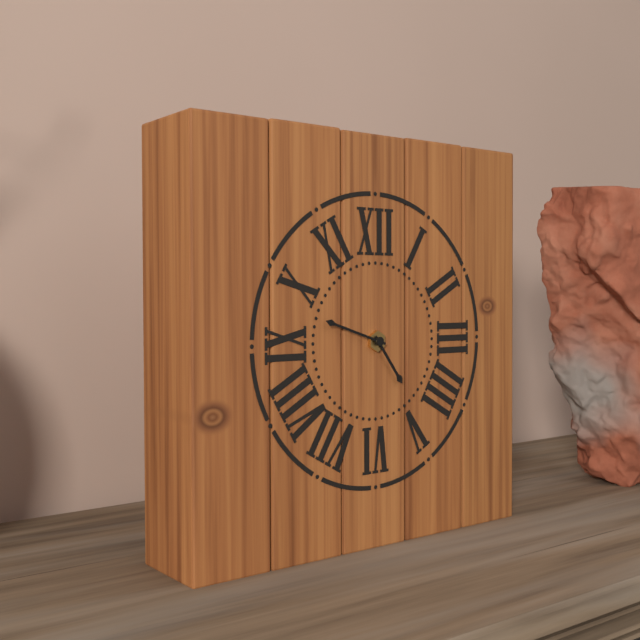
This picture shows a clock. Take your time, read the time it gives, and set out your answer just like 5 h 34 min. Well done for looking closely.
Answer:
4 h 48 min
